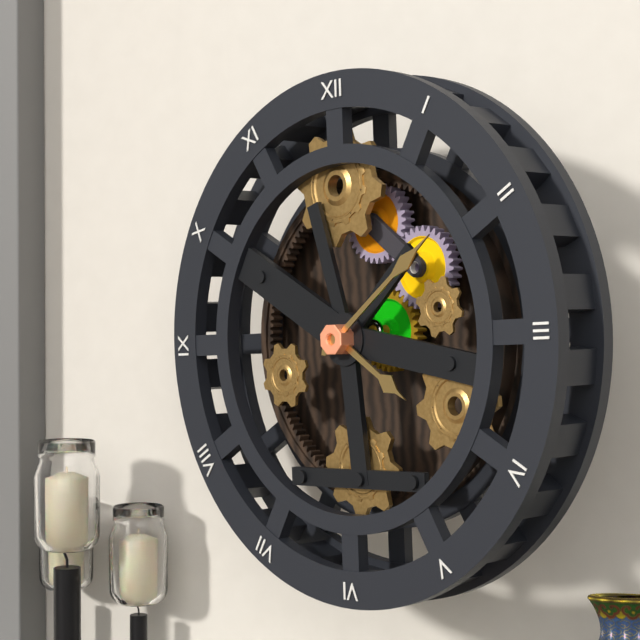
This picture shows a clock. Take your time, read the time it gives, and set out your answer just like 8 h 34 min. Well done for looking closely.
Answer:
4 h 09 min
